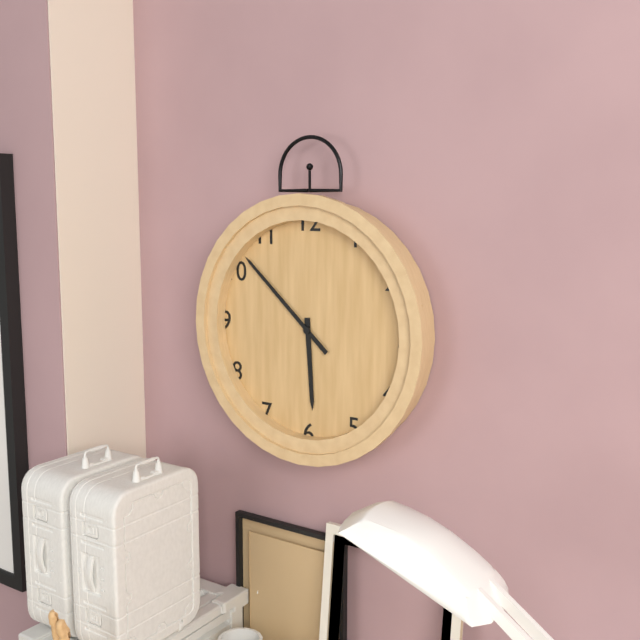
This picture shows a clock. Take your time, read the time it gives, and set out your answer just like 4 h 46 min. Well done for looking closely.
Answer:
5 h 52 min
